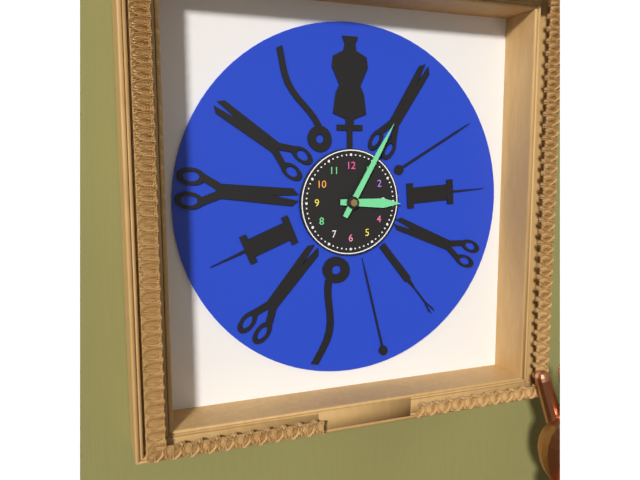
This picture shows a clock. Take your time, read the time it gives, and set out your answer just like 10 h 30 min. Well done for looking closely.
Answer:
3 h 05 min
